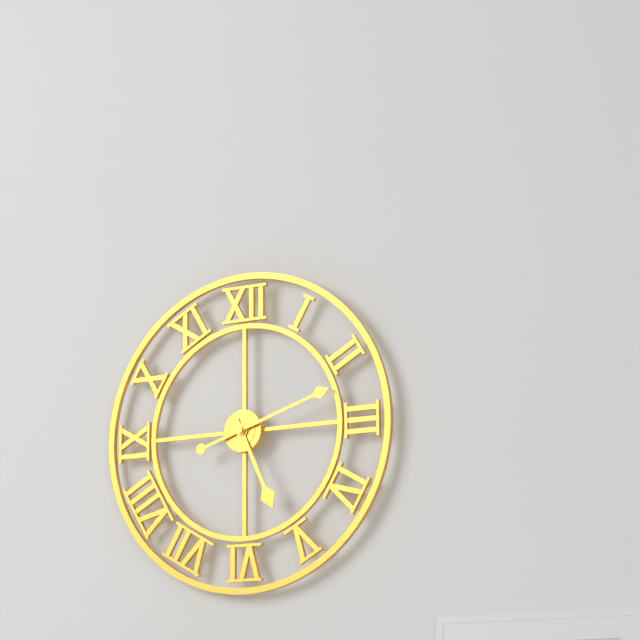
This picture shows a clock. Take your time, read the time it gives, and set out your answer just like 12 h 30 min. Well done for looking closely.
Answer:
5 h 12 min
